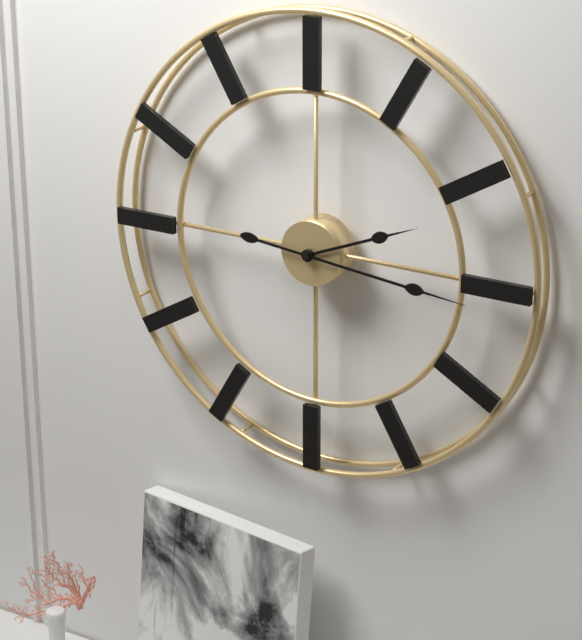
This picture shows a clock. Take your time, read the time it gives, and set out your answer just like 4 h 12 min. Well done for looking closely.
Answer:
2 h 16 min
